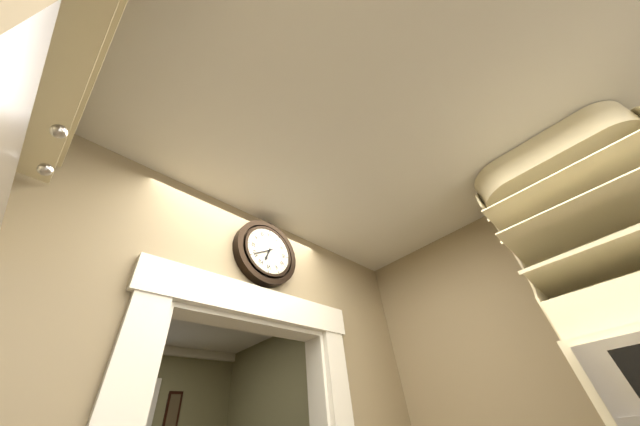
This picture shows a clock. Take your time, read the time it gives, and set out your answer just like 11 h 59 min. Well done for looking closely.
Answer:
6 h 40 min
